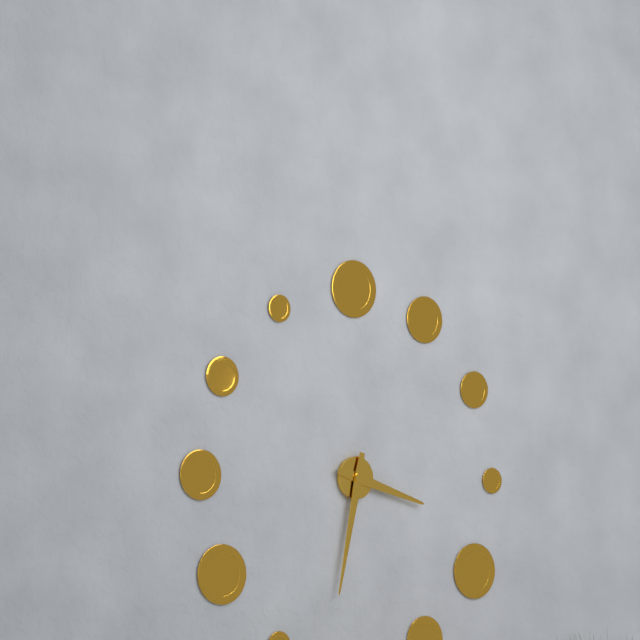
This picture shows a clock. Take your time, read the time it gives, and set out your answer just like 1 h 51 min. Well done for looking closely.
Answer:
3 h 32 min
